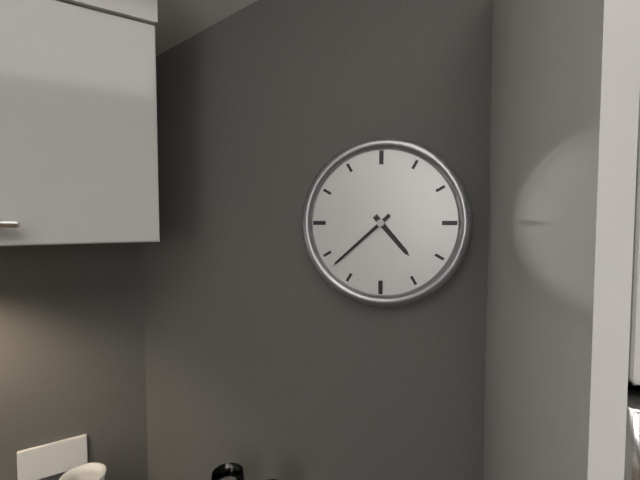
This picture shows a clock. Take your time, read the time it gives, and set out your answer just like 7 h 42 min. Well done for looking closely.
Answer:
4 h 38 min
